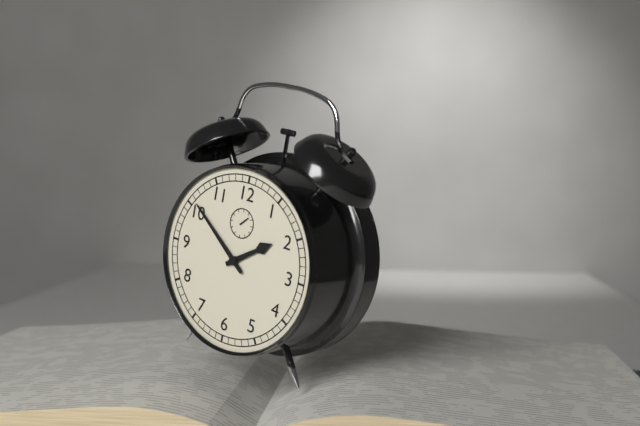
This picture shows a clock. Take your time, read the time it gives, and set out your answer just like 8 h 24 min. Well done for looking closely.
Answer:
1 h 51 min
